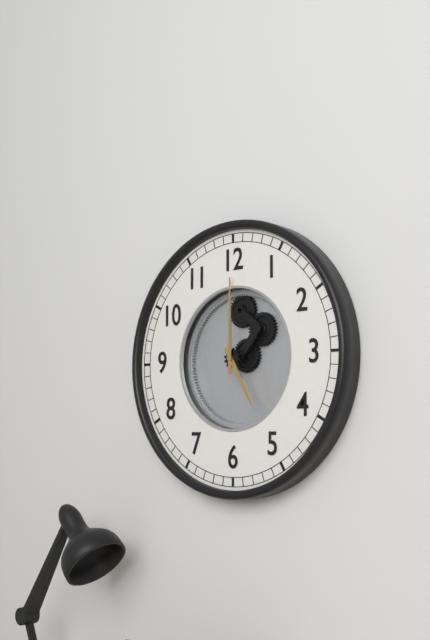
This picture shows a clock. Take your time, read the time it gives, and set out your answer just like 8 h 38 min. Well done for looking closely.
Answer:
5 h 00 min
